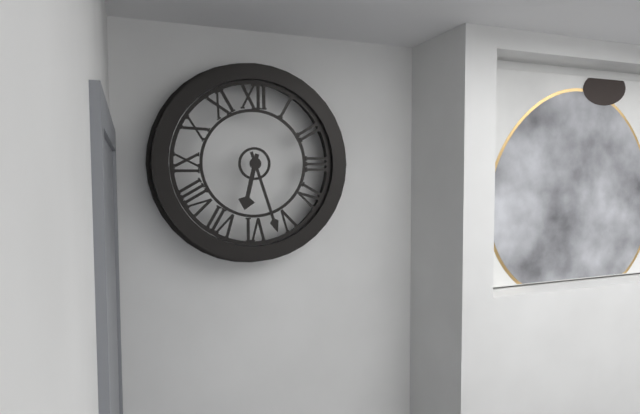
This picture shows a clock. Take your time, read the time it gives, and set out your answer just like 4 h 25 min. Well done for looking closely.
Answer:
6 h 27 min
